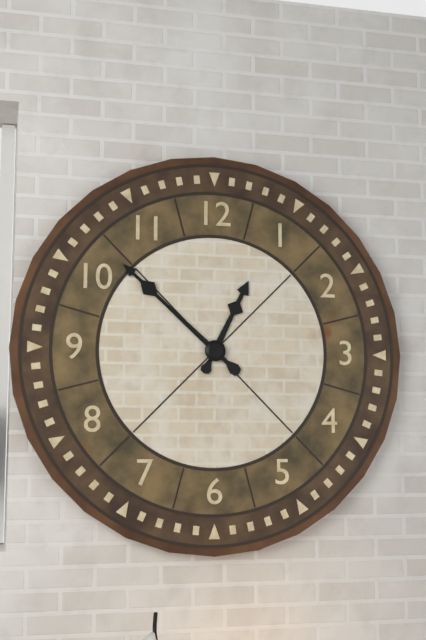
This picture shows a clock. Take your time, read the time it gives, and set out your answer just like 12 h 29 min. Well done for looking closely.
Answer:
12 h 52 min
